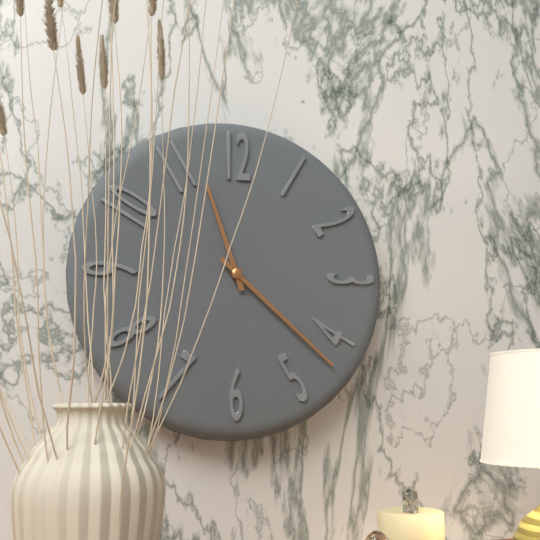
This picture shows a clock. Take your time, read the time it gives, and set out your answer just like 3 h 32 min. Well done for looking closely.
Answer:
11 h 22 min
